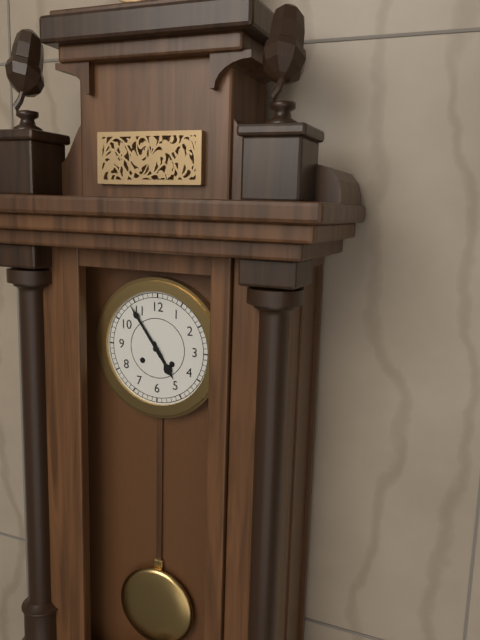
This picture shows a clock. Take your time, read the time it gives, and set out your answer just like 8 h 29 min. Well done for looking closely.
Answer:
4 h 54 min
